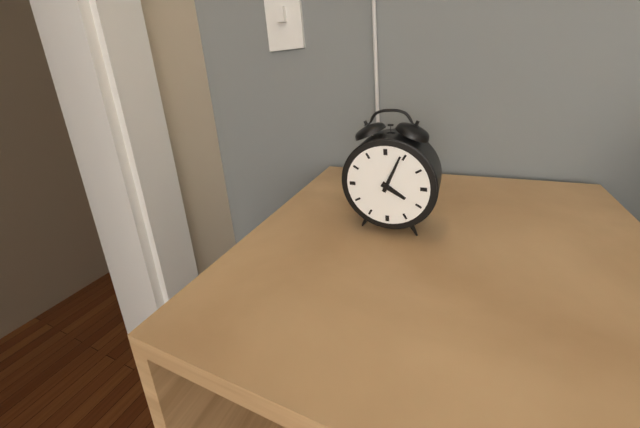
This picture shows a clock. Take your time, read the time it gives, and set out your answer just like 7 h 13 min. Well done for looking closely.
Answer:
4 h 04 min
